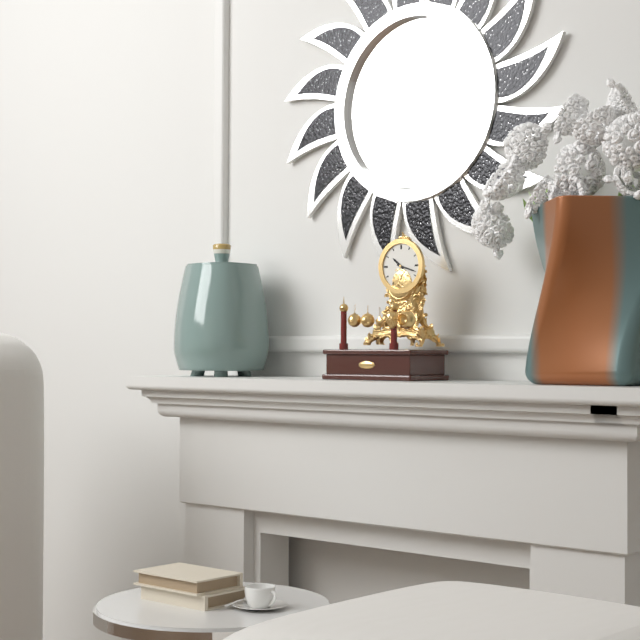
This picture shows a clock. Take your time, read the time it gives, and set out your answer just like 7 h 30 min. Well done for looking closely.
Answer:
10 h 18 min
